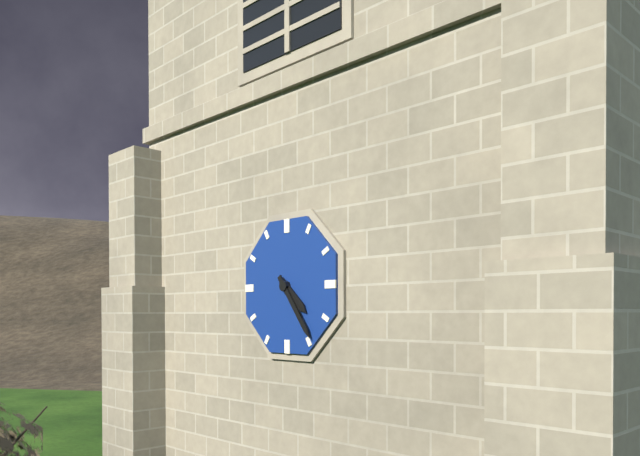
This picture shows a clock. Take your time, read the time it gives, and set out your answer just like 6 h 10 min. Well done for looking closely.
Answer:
4 h 24 min
